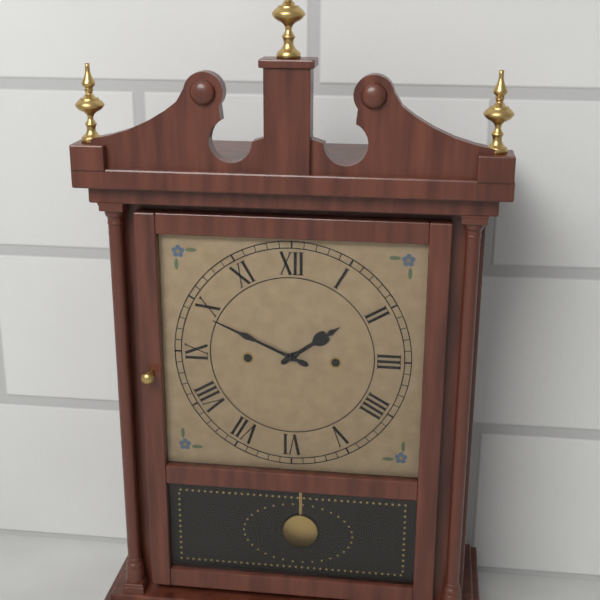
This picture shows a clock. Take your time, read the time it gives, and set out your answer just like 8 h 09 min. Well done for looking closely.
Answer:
1 h 49 min
